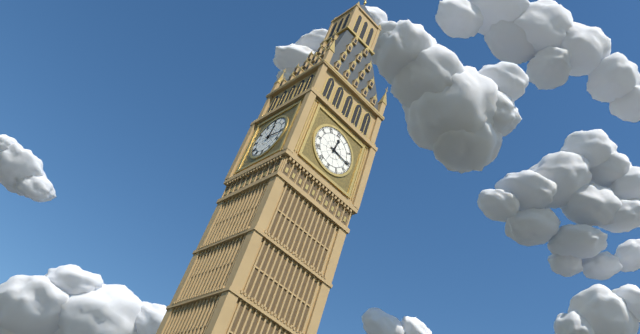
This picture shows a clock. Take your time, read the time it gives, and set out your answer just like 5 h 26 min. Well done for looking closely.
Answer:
12 h 16 min
